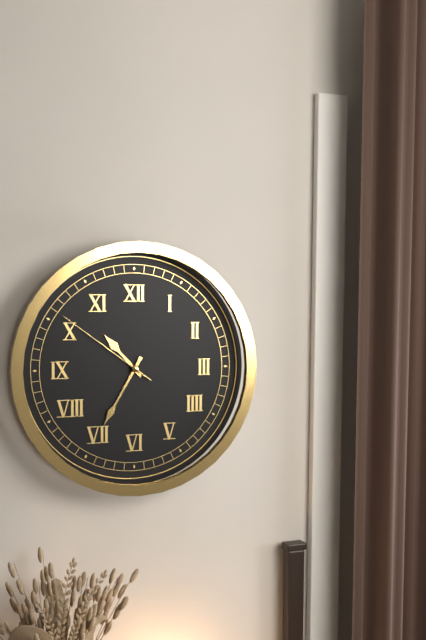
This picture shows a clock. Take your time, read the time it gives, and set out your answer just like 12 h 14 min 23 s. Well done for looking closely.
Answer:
10 h 35 min 51 s
